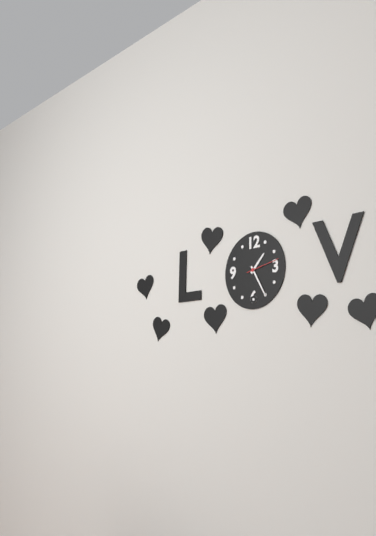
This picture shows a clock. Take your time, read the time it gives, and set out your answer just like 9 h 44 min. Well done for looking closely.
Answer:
1 h 25 min
